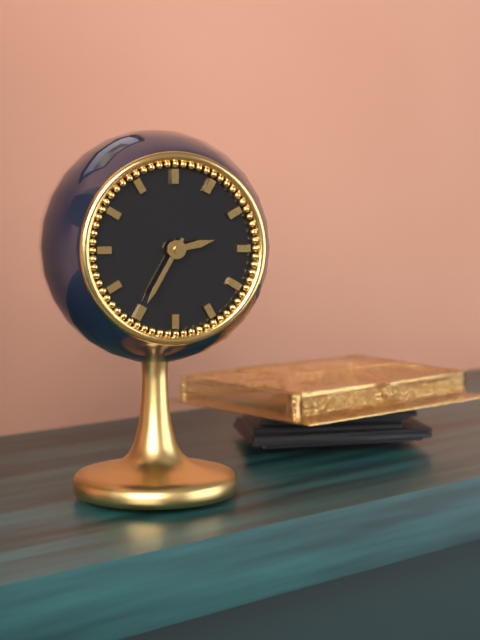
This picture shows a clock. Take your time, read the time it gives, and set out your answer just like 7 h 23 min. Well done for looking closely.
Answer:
2 h 35 min
